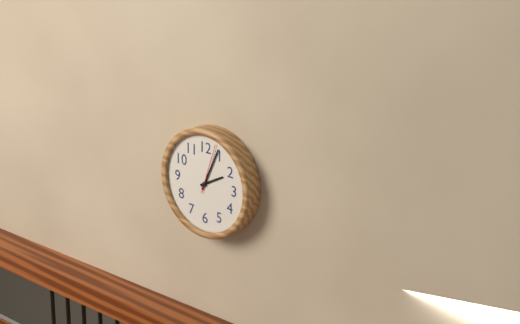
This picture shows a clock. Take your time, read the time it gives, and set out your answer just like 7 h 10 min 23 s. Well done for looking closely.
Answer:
2 h 04 min 03 s
